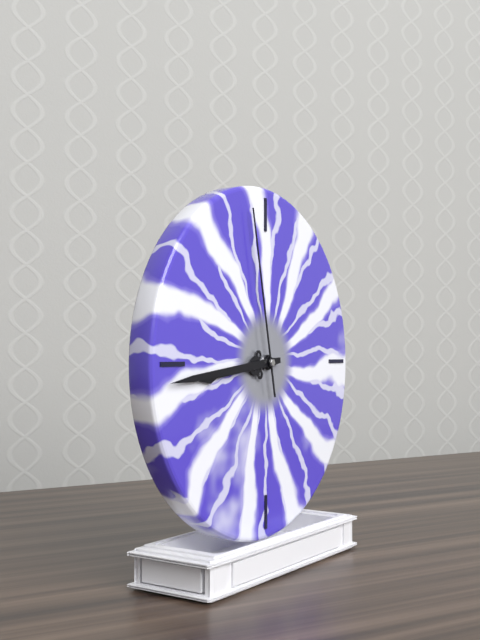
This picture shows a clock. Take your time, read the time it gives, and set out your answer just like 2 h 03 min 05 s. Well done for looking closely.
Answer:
8 h 44 min 58 s
